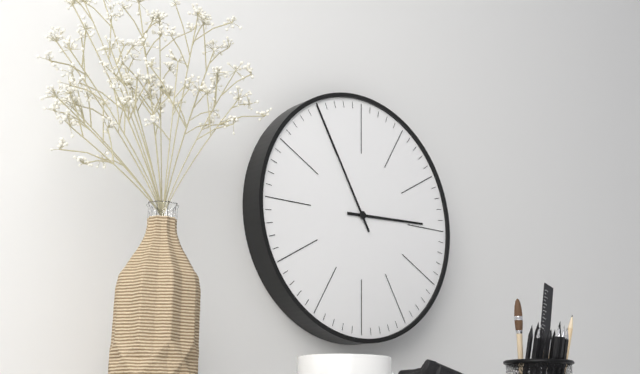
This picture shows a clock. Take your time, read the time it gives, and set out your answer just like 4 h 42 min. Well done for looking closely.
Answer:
2 h 55 min
